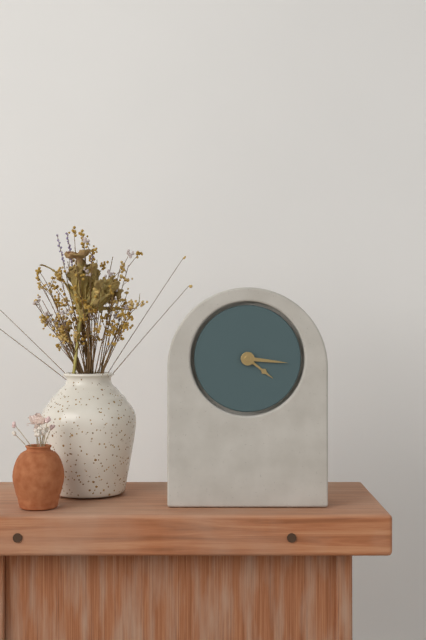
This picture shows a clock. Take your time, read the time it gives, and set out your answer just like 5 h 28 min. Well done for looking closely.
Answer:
4 h 16 min
